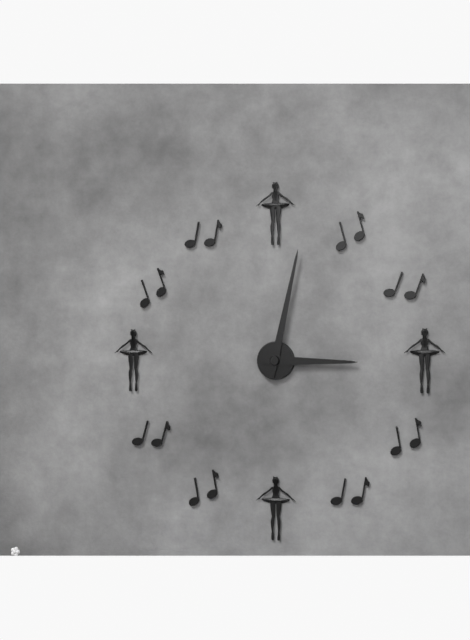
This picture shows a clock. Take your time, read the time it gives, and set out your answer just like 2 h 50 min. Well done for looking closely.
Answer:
3 h 02 min
